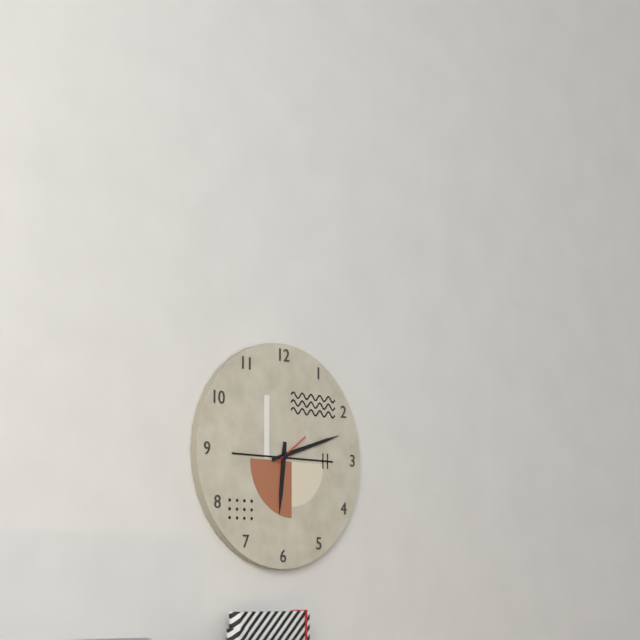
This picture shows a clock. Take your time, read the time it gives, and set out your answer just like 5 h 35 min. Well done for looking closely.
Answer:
6 h 12 min
